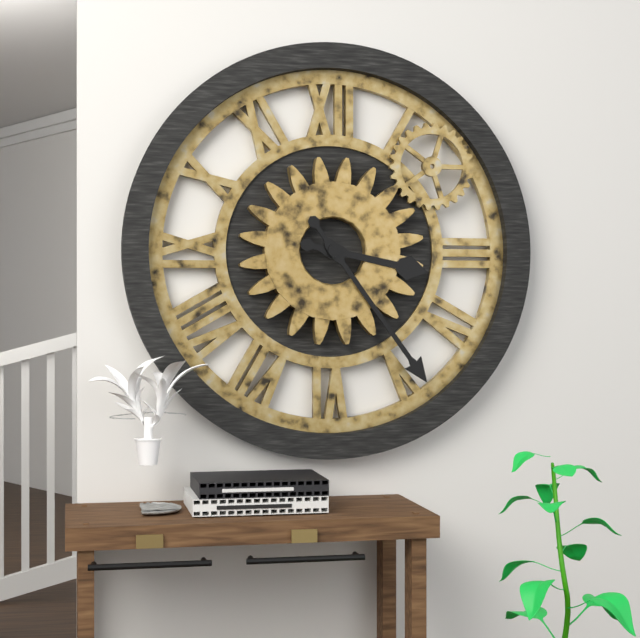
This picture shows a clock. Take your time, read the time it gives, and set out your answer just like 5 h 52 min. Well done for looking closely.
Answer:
3 h 24 min
